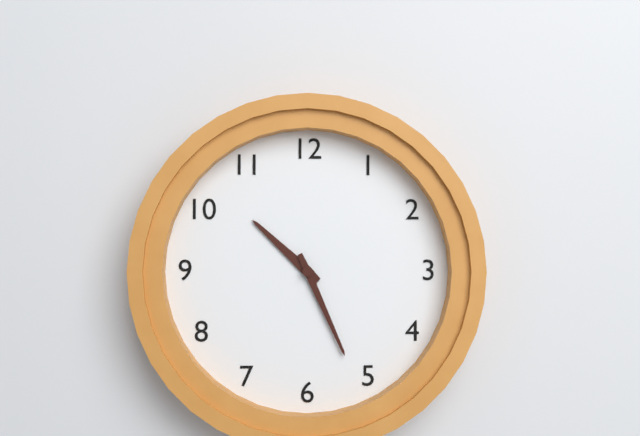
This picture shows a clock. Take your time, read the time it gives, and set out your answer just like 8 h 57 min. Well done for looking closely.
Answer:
10 h 26 min
